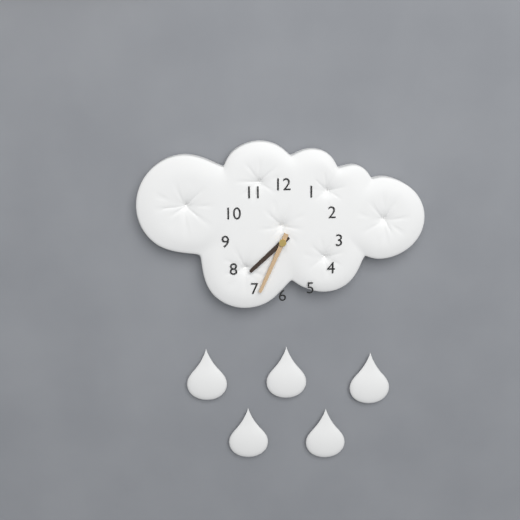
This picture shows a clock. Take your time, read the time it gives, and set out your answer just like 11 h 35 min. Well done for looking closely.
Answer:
7 h 34 min
